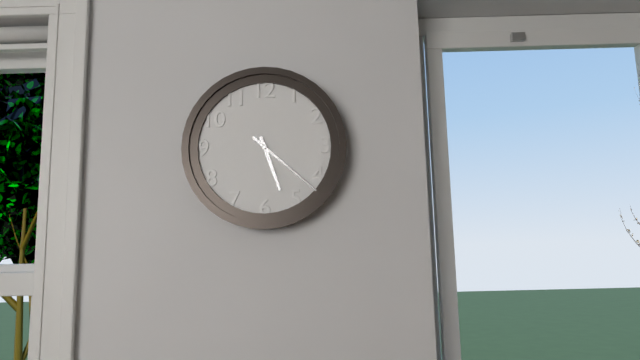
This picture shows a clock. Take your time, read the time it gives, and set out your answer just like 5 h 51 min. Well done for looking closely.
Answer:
5 h 22 min
